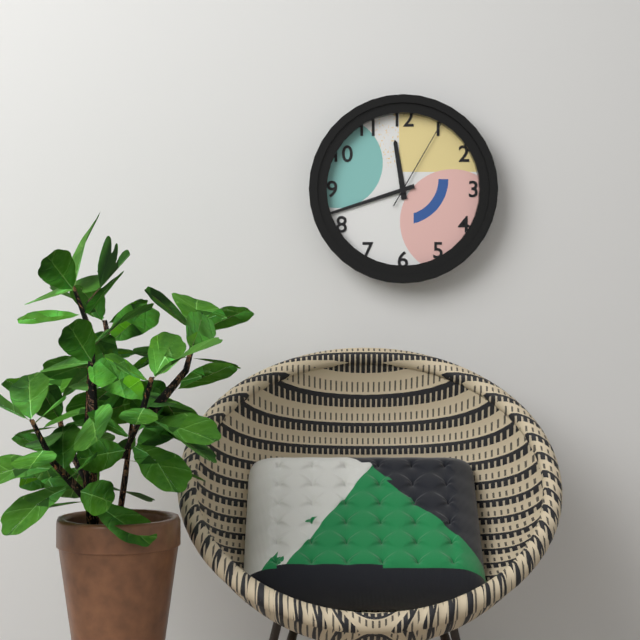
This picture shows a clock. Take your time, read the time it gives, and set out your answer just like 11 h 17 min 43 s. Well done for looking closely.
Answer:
11 h 42 min 05 s
